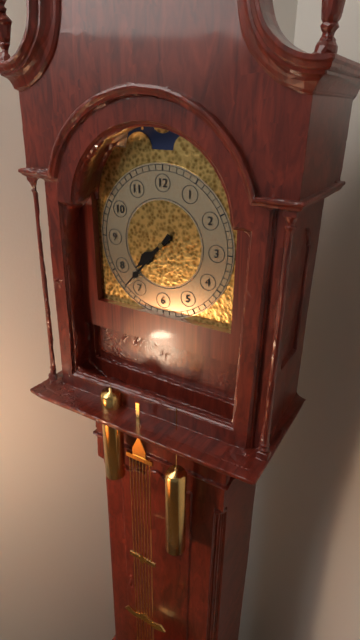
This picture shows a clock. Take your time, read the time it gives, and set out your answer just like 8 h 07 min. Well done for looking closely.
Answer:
7 h 37 min
